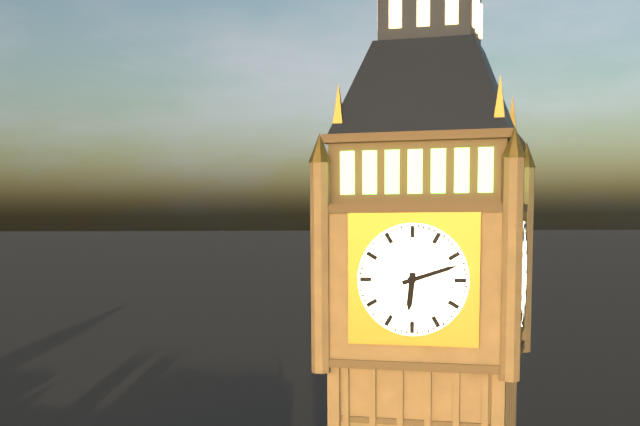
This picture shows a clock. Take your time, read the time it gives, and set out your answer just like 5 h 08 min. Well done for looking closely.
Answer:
6 h 12 min
